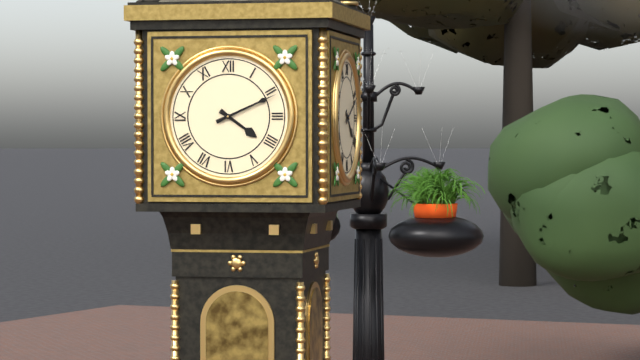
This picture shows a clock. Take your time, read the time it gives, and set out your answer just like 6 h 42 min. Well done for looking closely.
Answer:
4 h 11 min
